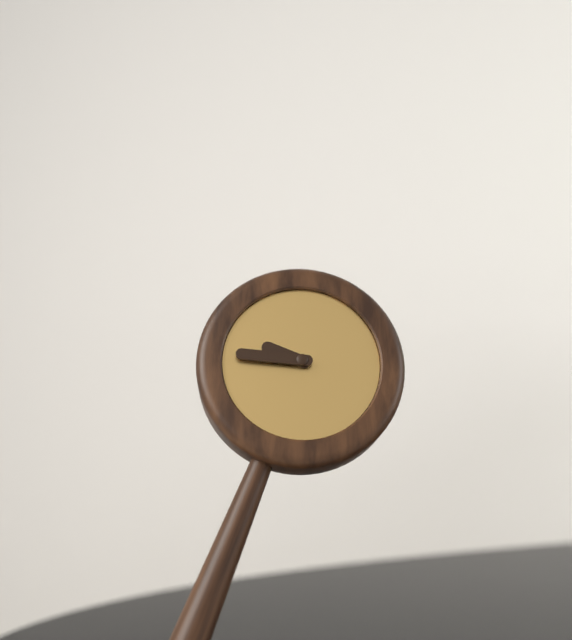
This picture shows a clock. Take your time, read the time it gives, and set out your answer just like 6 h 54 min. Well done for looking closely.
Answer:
9 h 46 min
